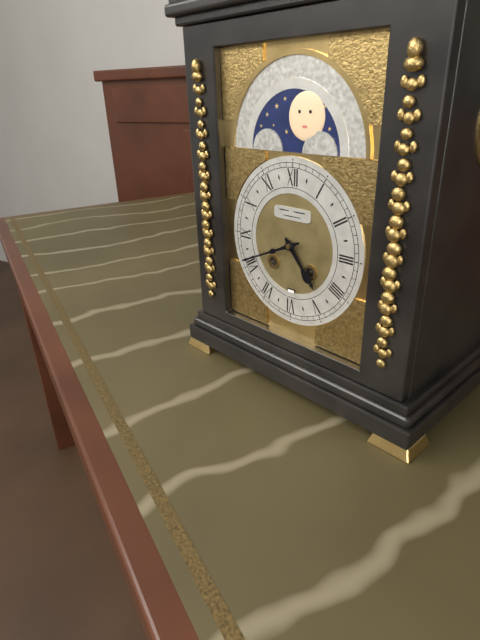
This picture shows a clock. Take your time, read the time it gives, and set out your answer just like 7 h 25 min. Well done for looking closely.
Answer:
4 h 41 min
